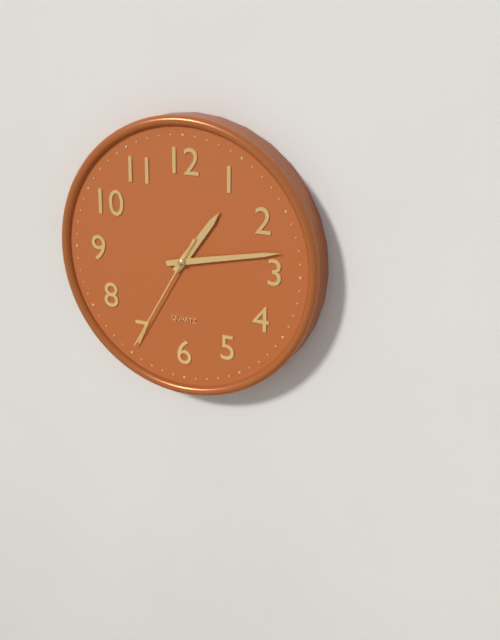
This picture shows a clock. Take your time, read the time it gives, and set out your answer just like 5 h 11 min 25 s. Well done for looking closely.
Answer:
1 h 13 min 35 s
